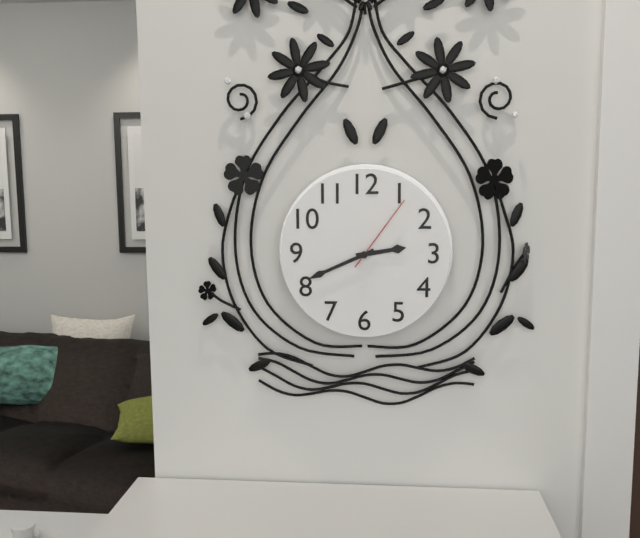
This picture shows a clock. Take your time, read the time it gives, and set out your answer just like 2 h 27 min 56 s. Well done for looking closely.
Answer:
2 h 41 min 06 s
